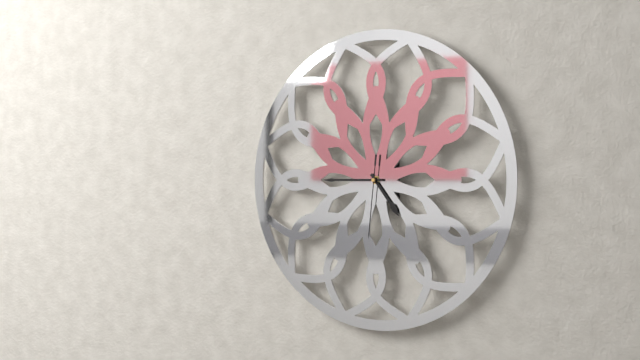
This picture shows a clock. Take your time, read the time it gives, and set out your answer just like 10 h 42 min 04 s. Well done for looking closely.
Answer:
4 h 45 min 31 s
